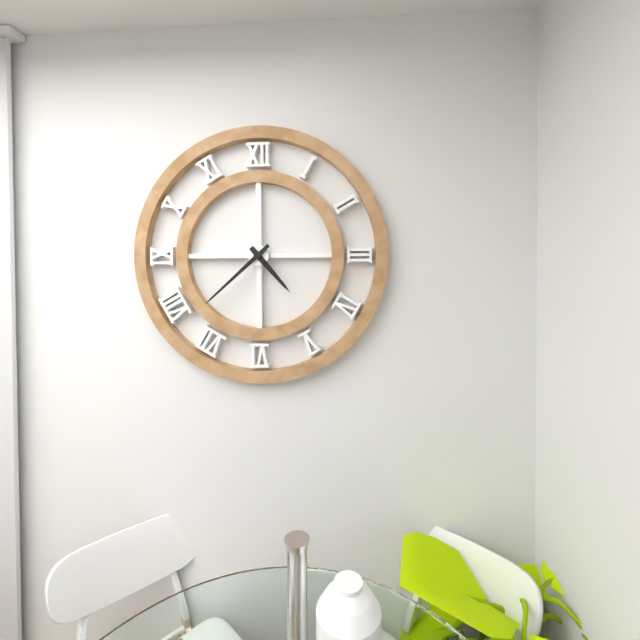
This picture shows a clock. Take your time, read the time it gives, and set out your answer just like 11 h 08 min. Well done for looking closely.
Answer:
4 h 38 min
